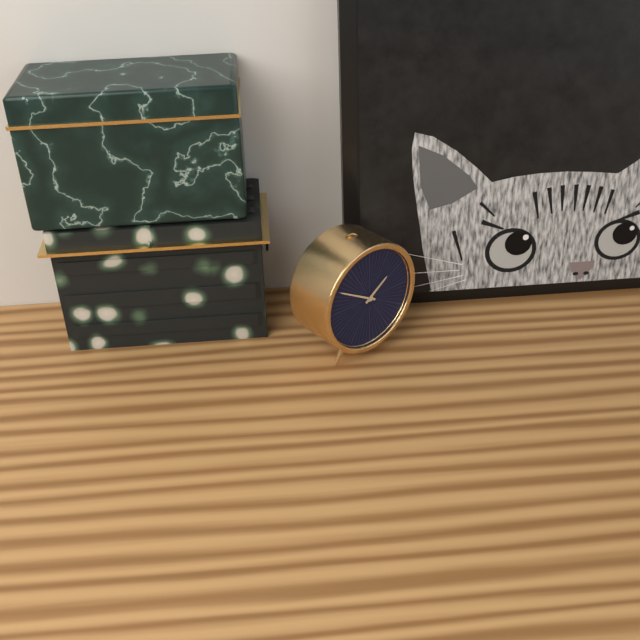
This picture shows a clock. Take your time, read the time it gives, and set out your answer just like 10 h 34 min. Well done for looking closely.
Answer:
1 h 50 min
